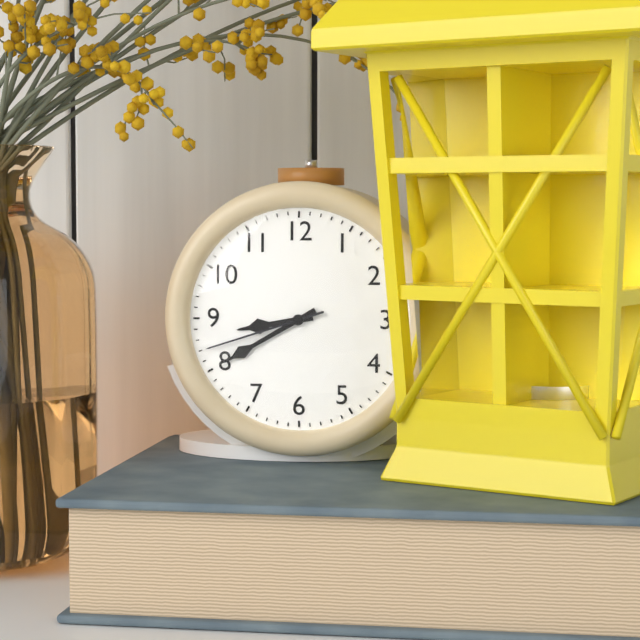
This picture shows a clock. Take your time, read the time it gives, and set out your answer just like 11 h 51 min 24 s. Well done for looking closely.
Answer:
8 h 40 min 42 s
